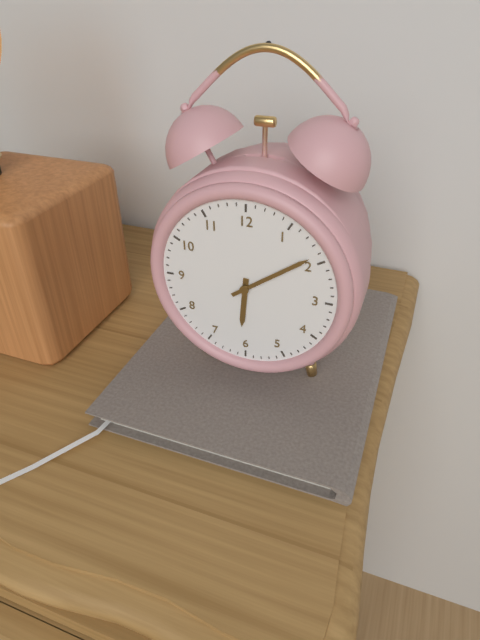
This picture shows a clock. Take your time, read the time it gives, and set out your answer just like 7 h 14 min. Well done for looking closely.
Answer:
6 h 09 min
